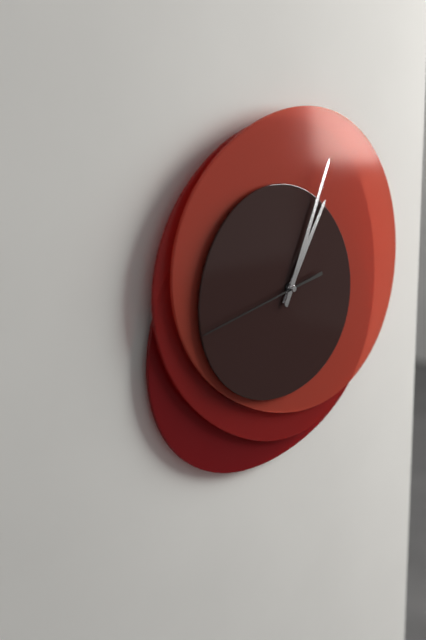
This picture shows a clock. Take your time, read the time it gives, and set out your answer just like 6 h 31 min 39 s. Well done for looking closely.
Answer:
1 h 04 min 43 s
